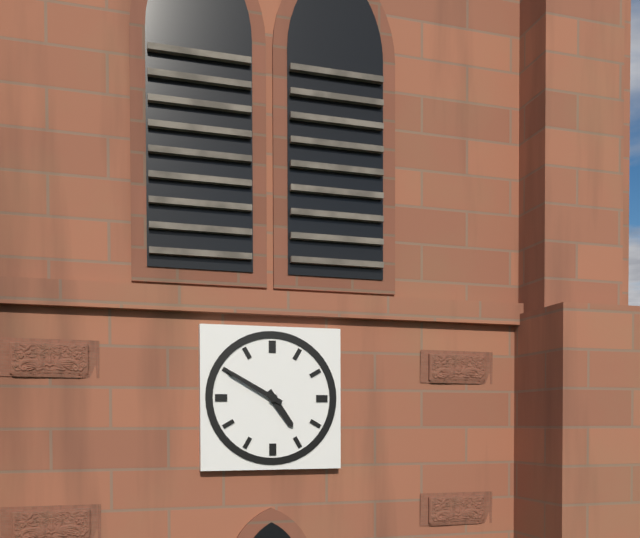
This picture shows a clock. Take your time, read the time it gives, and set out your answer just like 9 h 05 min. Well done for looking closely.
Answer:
4 h 50 min
